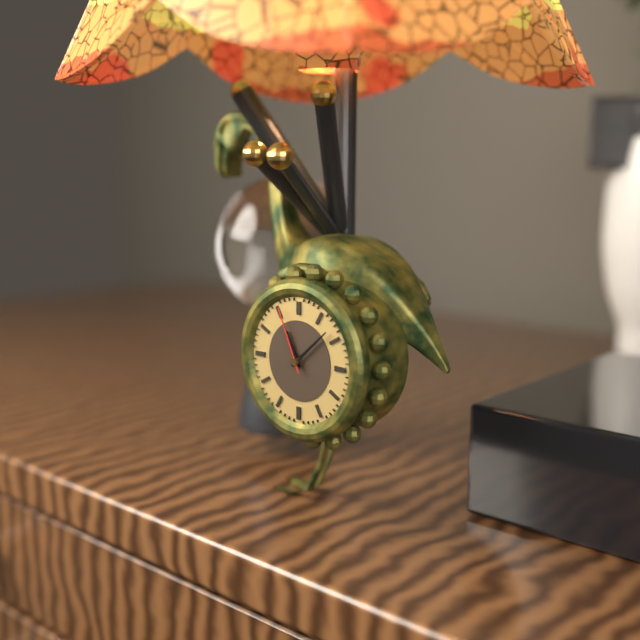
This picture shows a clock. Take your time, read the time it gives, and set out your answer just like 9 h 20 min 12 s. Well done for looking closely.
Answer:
11 h 08 min 56 s
